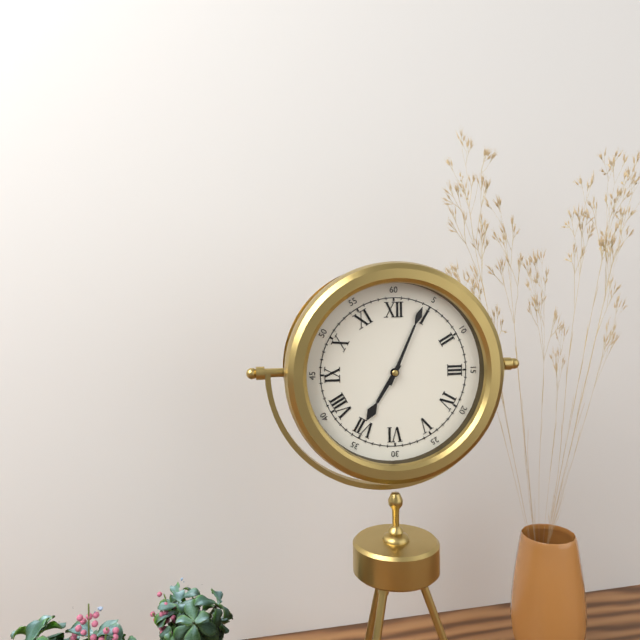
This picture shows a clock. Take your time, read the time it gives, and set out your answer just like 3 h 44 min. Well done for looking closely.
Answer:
7 h 04 min
